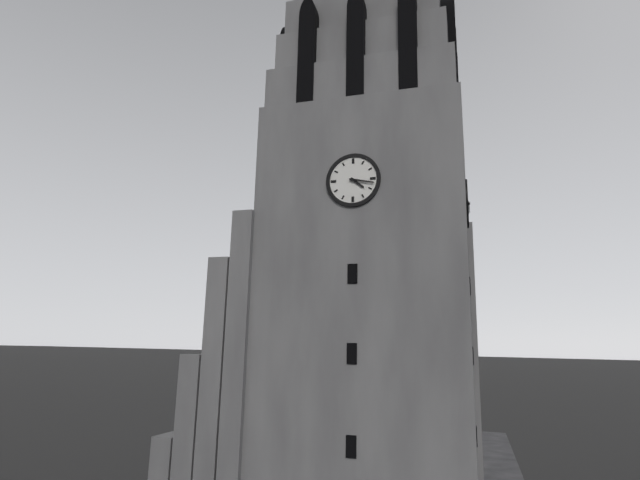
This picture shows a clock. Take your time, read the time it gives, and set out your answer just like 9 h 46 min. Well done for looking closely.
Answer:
4 h 17 min
